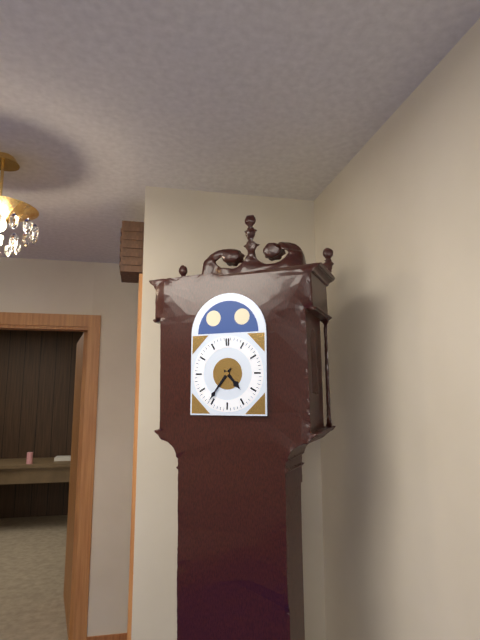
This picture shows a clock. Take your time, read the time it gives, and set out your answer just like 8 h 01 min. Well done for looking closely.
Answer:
4 h 36 min
